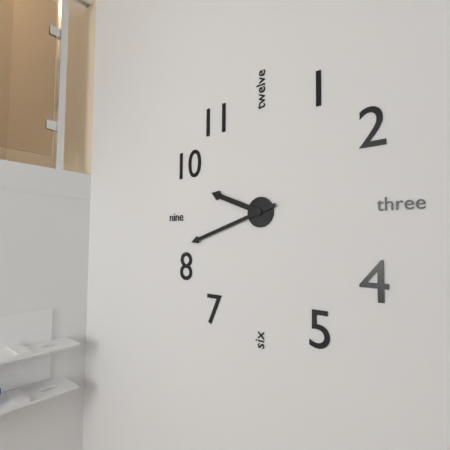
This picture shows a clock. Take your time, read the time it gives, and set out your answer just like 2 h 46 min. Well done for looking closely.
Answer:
9 h 42 min
